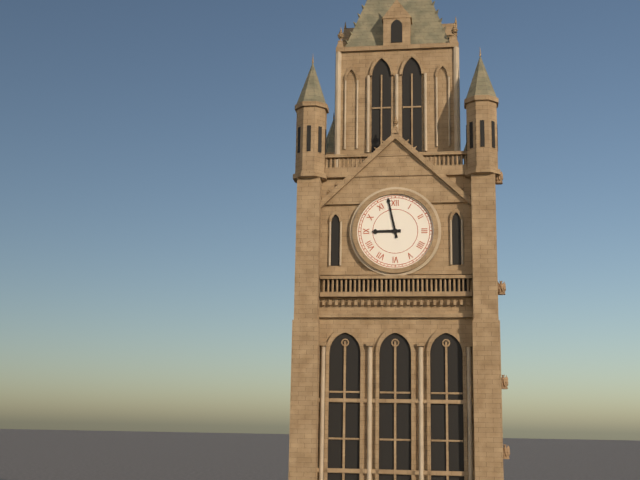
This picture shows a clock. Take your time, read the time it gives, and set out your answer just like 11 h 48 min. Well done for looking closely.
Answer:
8 h 58 min
